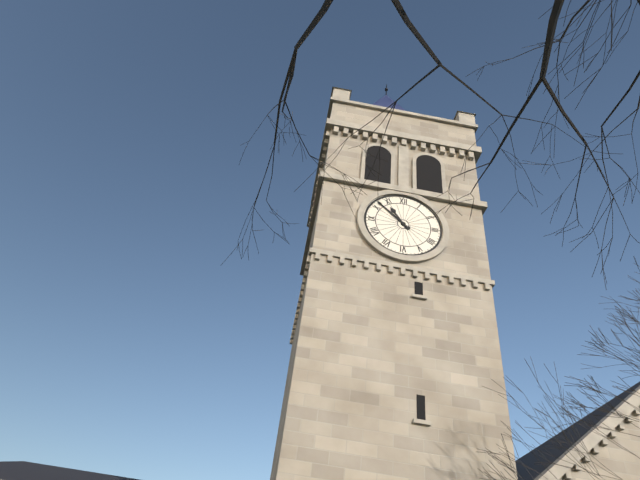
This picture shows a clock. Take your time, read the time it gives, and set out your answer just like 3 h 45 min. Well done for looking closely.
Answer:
10 h 52 min
